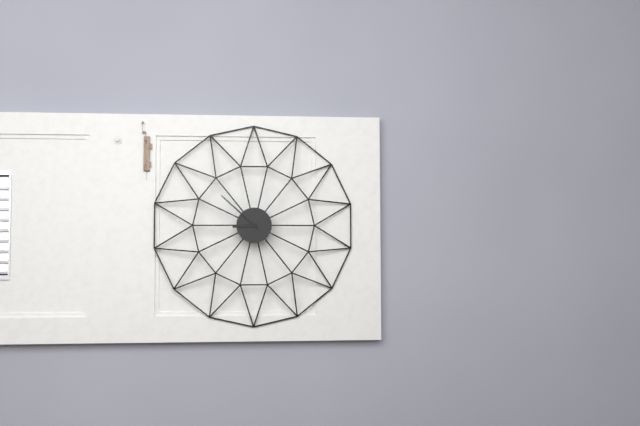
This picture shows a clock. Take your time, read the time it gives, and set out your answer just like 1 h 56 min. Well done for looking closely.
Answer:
8 h 52 min
